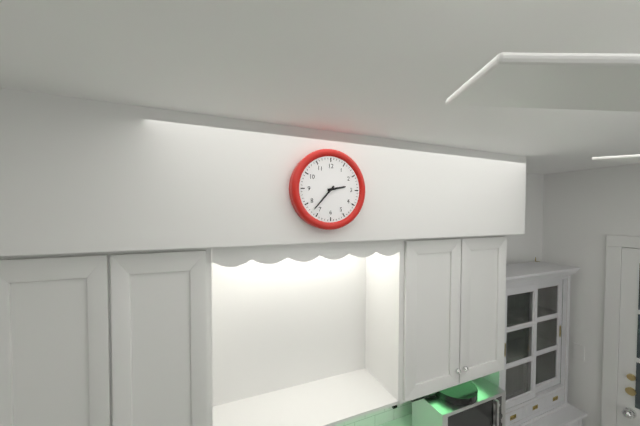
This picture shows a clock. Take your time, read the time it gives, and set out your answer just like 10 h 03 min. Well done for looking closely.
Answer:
2 h 37 min
